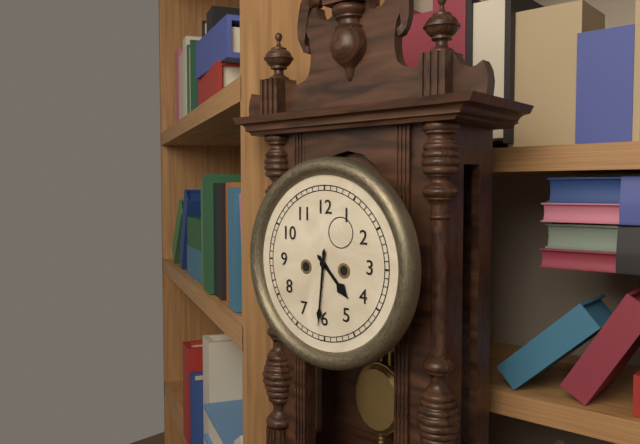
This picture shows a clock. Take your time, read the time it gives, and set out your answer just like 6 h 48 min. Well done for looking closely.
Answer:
4 h 31 min
